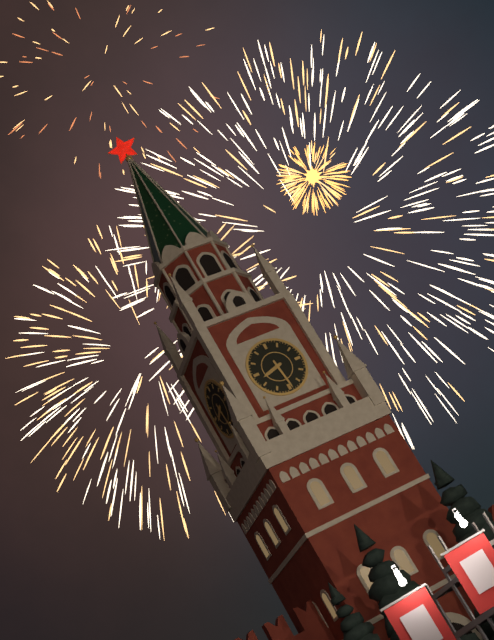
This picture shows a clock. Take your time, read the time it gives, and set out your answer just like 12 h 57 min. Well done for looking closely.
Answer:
8 h 29 min
